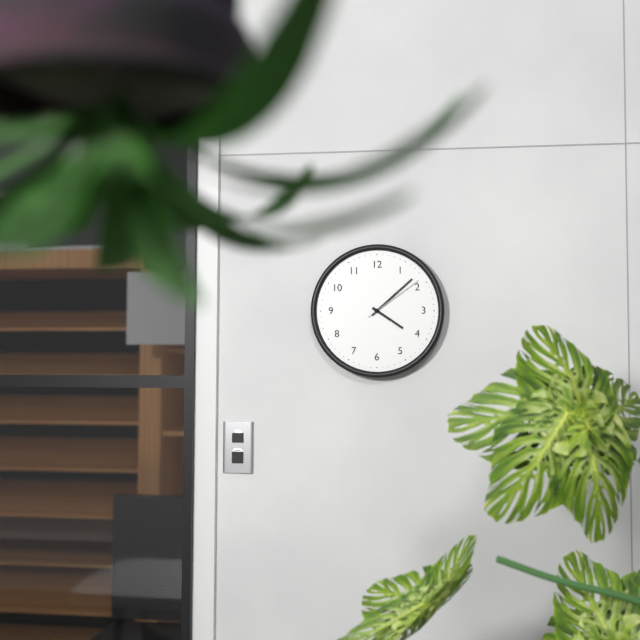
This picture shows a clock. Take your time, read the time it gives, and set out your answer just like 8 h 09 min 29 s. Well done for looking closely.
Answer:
4 h 08 min 09 s
